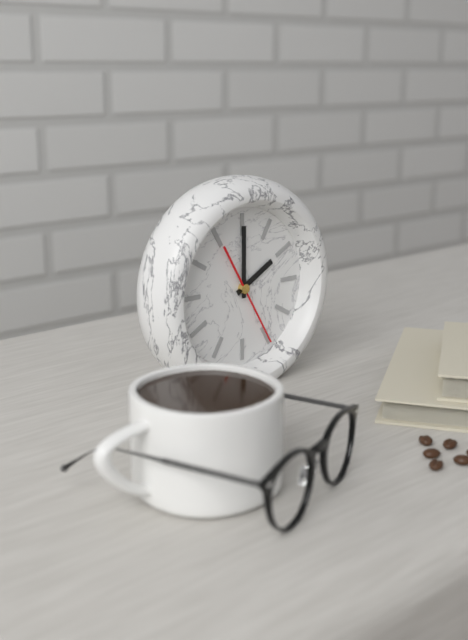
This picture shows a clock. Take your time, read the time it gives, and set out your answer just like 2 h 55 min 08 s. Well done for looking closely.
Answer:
2 h 00 min 25 s
